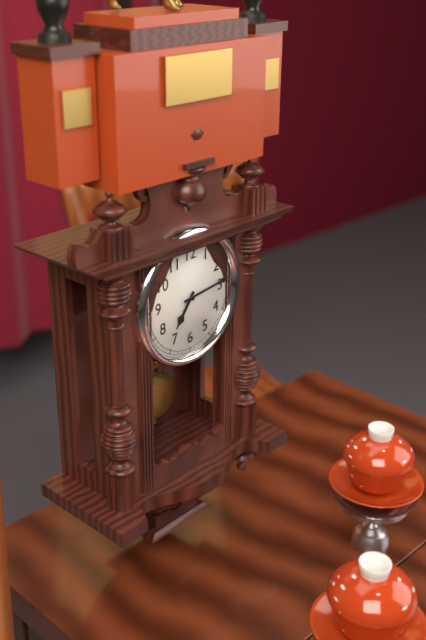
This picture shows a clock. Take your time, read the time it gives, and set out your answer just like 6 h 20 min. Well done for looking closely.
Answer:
7 h 14 min
